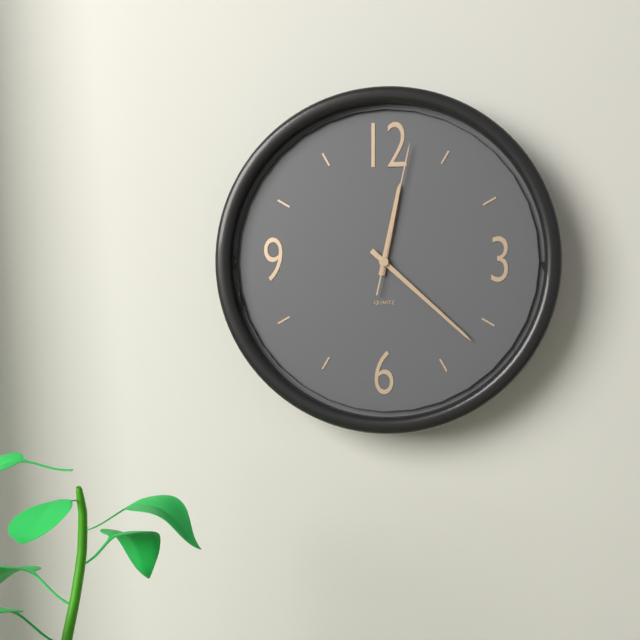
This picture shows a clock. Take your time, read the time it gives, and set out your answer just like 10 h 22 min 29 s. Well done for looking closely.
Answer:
12 h 22 min 02 s
